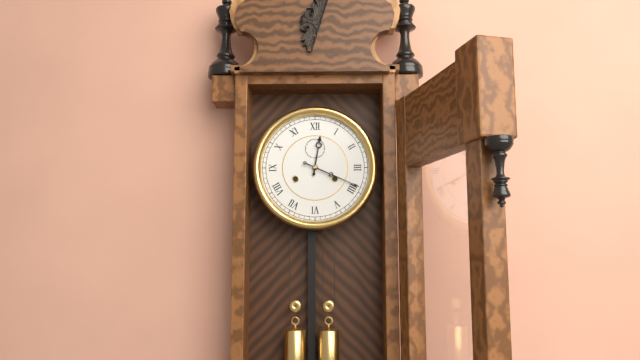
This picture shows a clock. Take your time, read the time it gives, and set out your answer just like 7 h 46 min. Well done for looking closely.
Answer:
12 h 19 min
